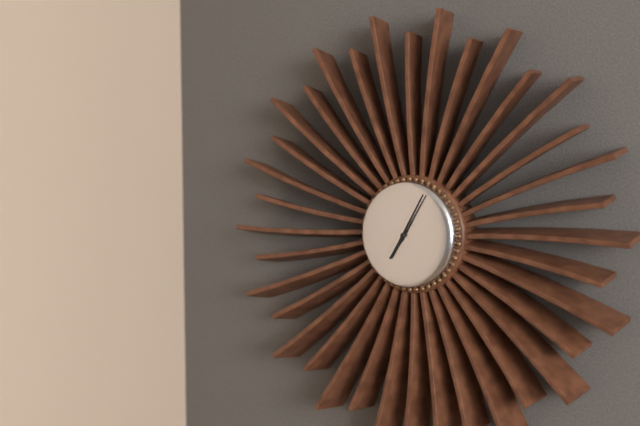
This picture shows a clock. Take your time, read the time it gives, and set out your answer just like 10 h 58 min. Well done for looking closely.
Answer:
7 h 05 min
